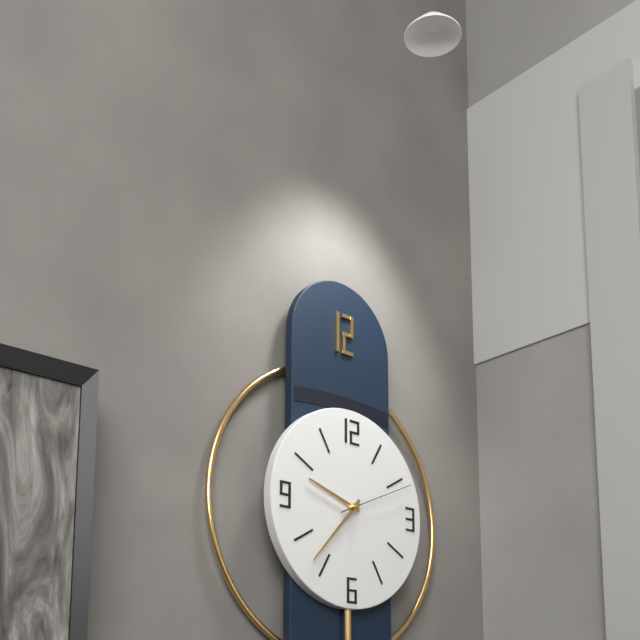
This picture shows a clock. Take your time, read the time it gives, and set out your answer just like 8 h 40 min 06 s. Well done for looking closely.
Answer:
9 h 37 min 11 s
